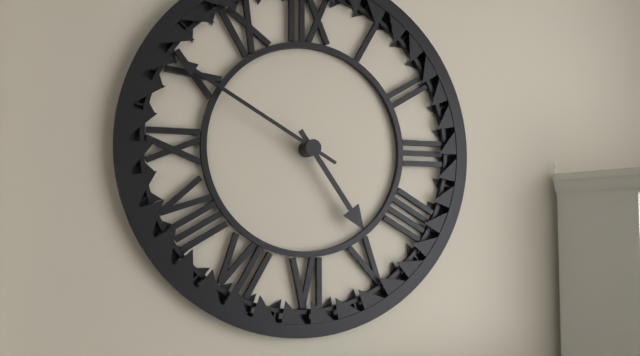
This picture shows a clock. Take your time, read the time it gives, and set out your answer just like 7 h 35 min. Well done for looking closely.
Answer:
4 h 50 min
